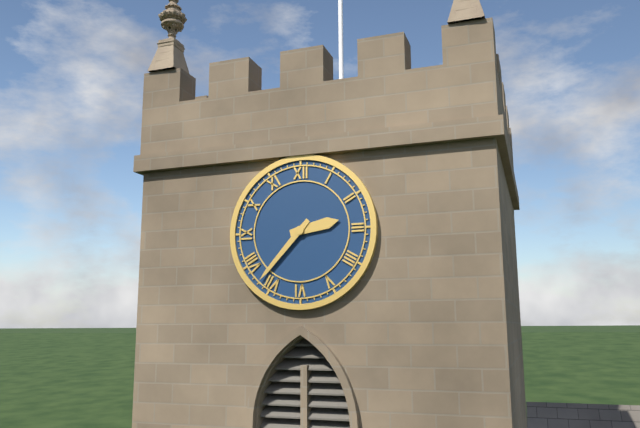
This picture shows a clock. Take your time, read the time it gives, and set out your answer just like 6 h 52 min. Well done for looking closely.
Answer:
2 h 37 min
